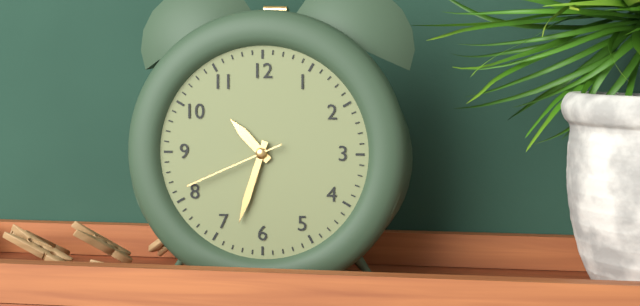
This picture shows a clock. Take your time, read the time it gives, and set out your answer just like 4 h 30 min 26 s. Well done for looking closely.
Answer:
10 h 33 min 41 s
